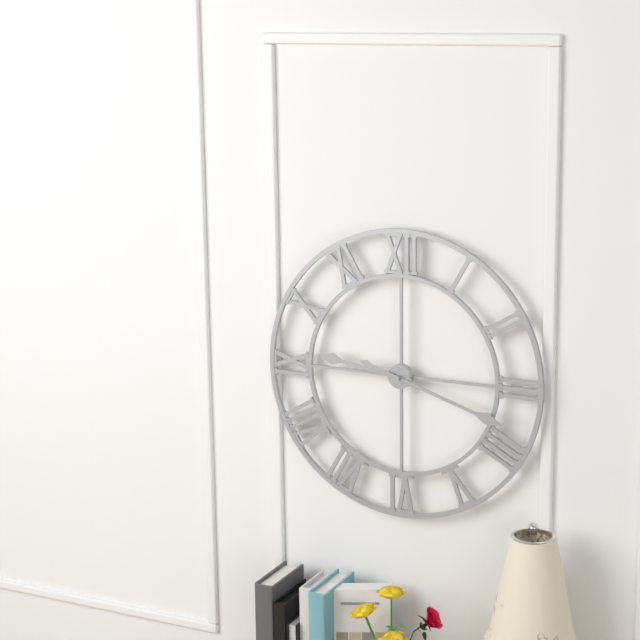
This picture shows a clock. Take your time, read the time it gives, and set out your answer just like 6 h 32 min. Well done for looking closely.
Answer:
9 h 18 min
